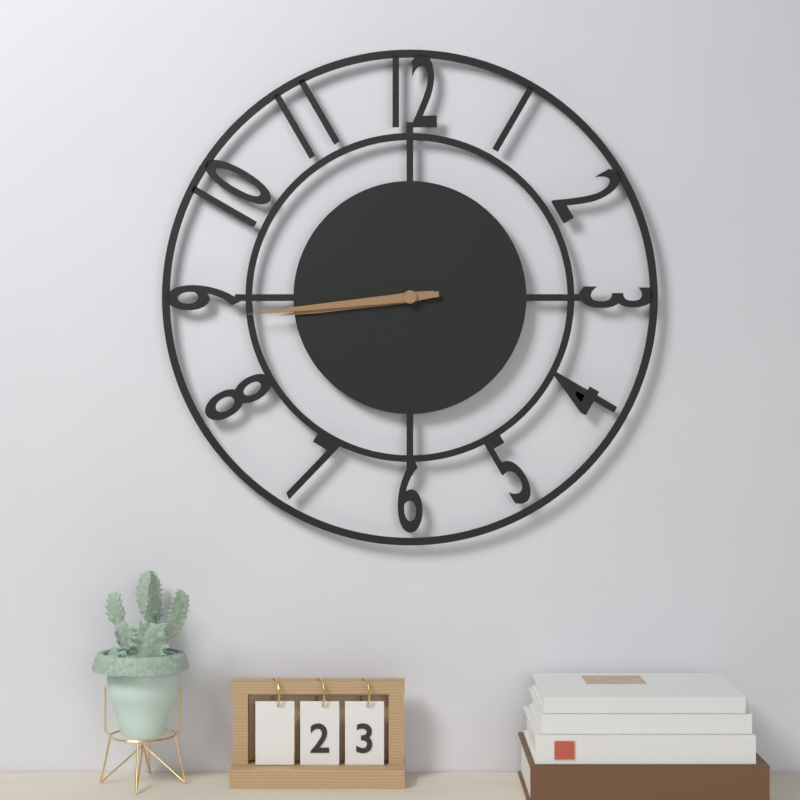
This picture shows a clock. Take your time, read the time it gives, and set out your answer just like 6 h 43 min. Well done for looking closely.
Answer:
8 h 44 min
